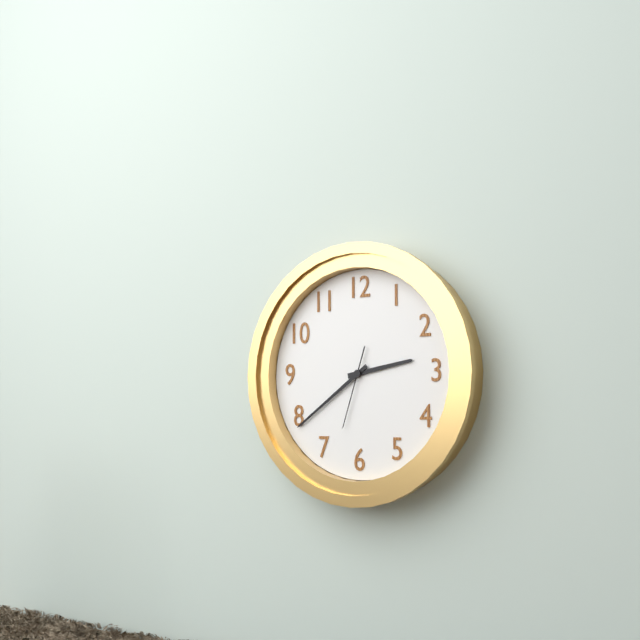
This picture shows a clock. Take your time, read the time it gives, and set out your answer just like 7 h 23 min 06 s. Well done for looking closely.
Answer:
2 h 39 min 33 s
